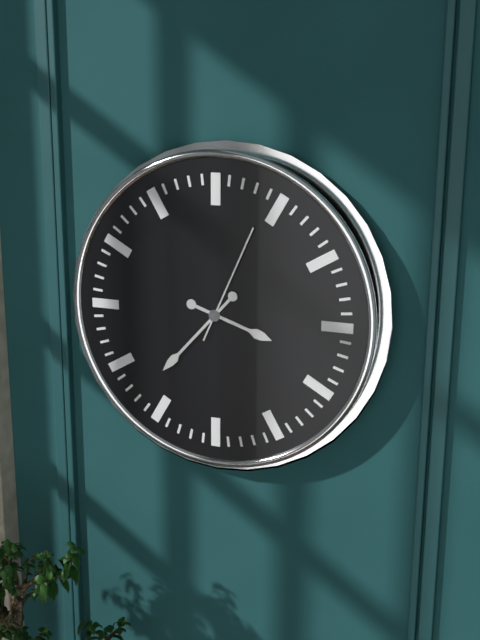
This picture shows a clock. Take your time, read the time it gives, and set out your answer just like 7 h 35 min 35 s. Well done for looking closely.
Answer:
3 h 37 min 04 s
